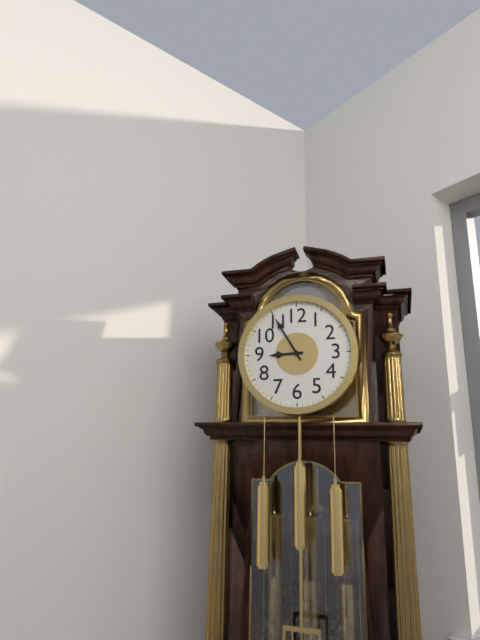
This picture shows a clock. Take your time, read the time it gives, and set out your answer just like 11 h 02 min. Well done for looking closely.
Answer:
8 h 55 min
